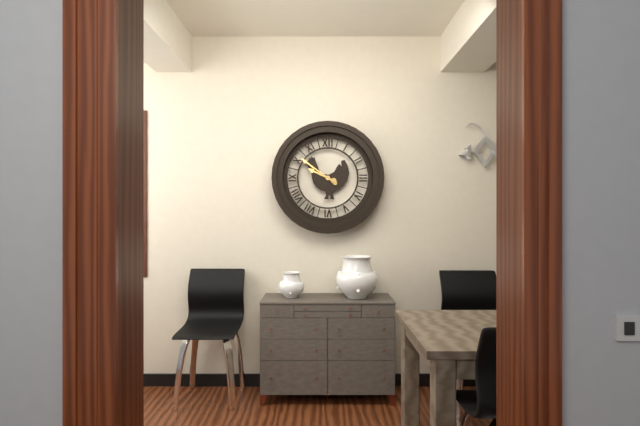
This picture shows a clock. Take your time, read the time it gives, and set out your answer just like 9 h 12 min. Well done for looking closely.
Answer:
9 h 51 min
